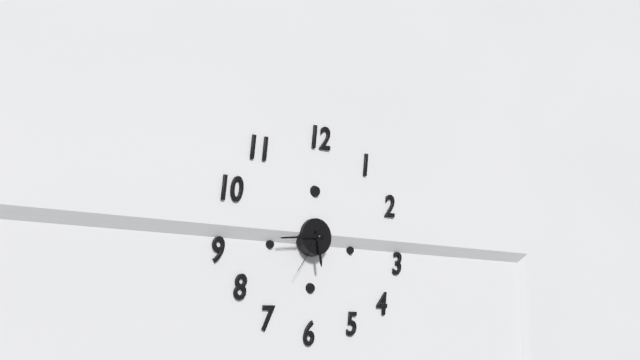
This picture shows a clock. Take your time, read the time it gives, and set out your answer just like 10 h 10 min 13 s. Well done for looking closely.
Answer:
5 h 44 min 36 s
